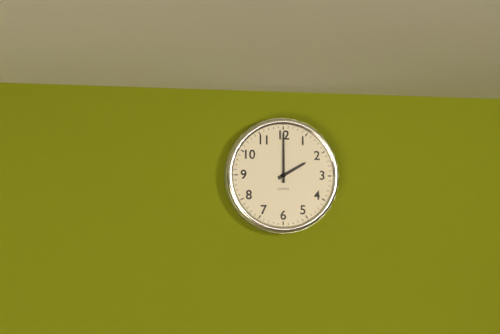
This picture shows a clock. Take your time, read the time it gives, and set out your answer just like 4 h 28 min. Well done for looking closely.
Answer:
2 h 00 min
